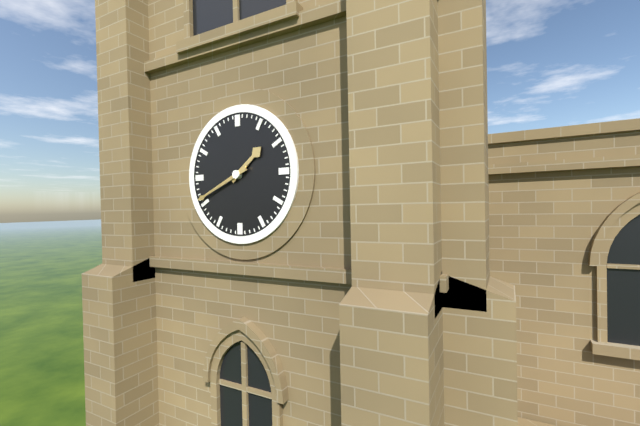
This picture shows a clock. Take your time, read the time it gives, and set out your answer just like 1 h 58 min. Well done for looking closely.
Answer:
1 h 41 min
